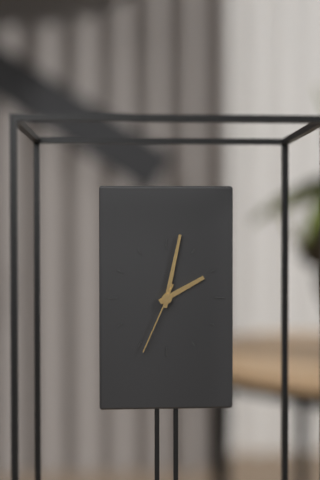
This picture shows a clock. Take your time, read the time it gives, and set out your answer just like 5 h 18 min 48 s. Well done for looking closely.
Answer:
2 h 02 min 34 s
